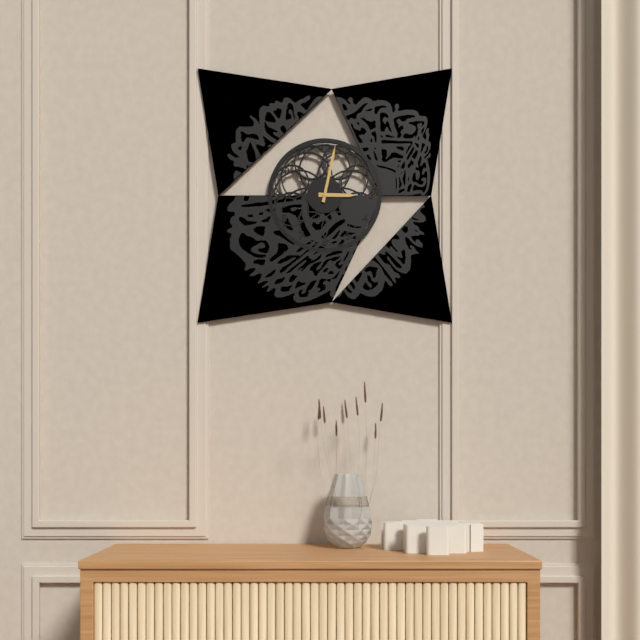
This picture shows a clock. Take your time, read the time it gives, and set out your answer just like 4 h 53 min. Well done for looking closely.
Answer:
3 h 02 min
